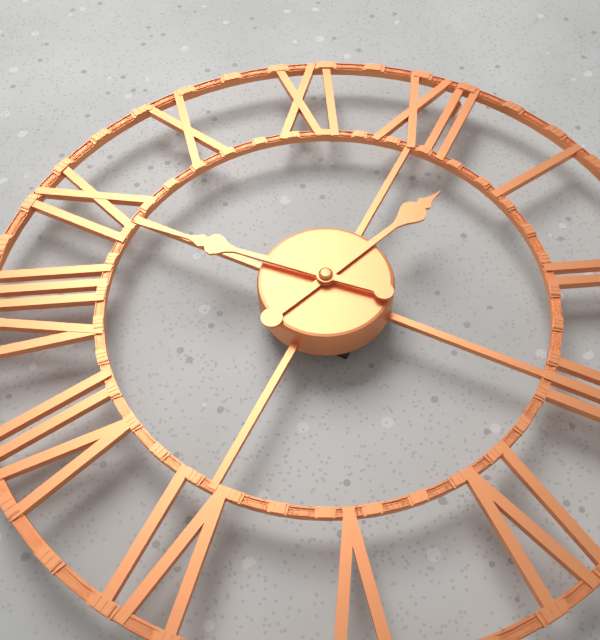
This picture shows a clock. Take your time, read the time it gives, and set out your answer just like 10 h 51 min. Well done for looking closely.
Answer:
12 h 44 min
